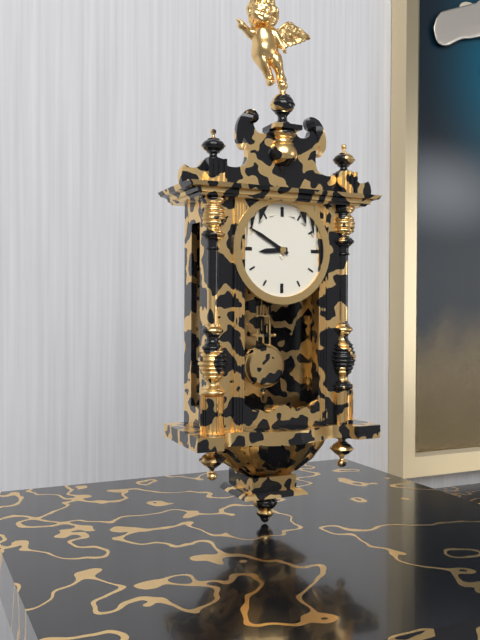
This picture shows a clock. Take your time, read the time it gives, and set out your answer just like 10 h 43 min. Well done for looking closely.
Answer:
8 h 50 min
